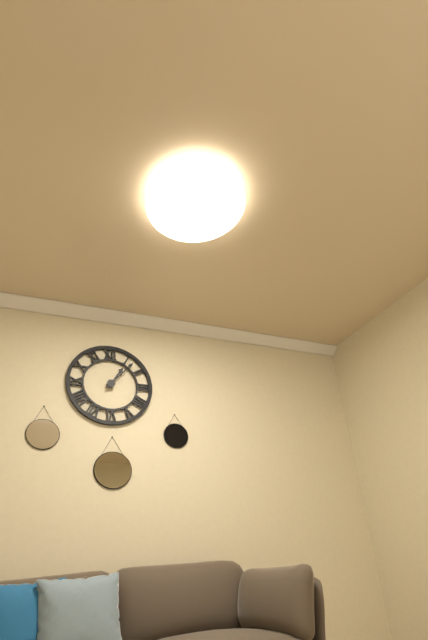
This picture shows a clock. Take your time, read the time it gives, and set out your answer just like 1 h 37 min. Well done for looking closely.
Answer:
1 h 07 min
